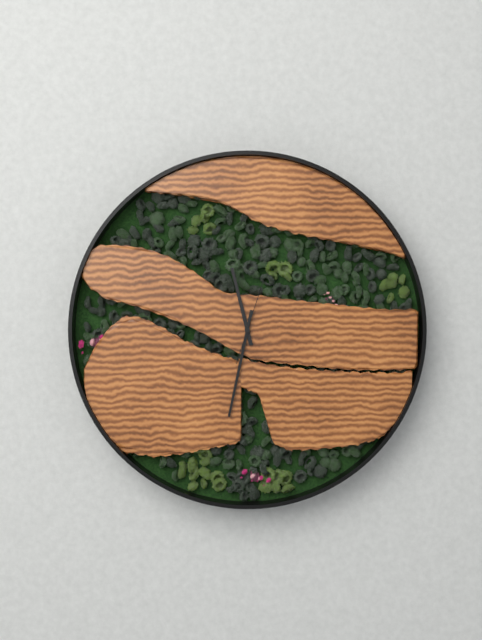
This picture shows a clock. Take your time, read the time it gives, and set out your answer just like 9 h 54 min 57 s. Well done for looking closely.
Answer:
11 h 32 min 03 s
